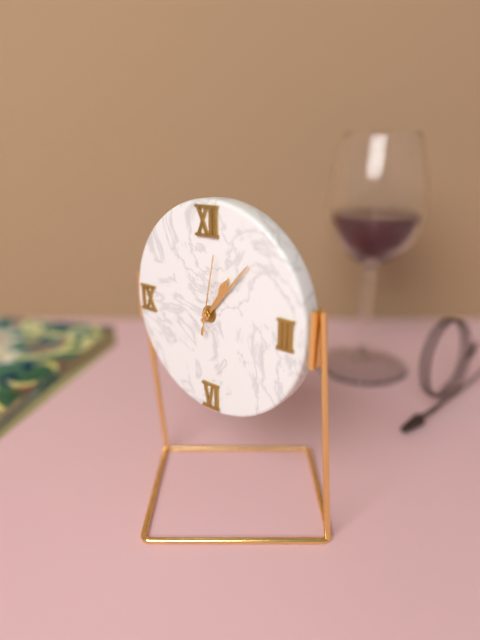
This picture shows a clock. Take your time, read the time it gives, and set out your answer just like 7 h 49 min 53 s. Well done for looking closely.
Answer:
1 h 07 min 02 s
